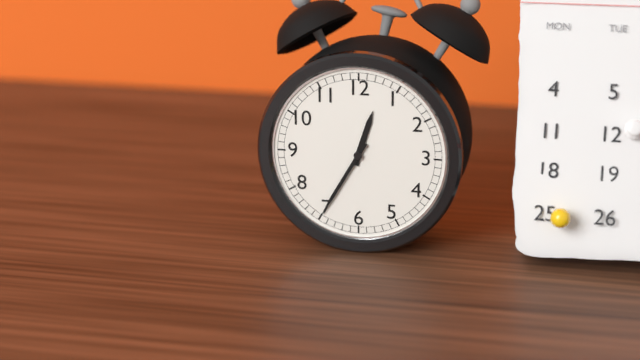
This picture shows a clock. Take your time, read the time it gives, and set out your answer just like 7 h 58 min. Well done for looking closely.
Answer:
12 h 35 min
